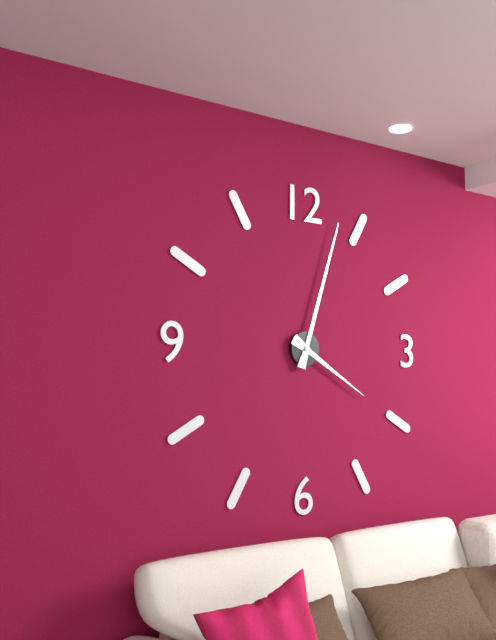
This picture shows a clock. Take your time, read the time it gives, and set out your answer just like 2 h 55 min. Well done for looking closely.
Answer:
4 h 03 min
